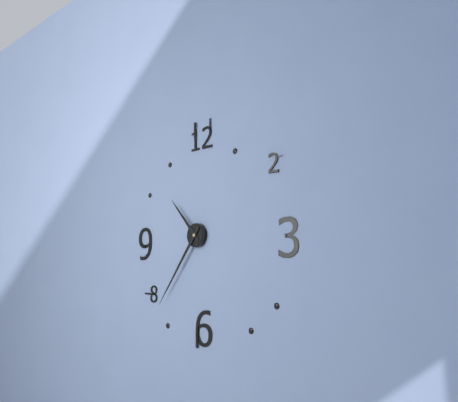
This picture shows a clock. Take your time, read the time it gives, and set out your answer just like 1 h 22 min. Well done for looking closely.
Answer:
10 h 36 min
